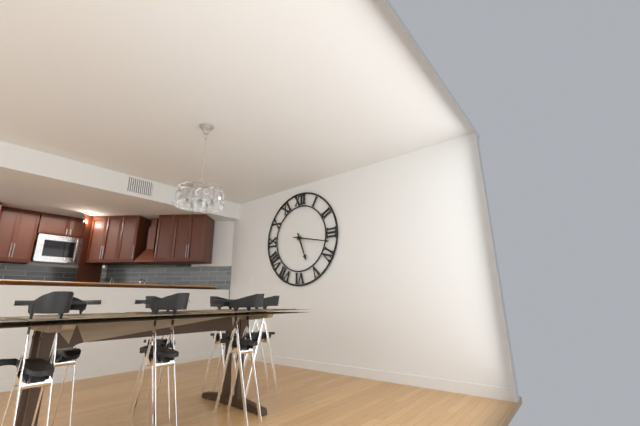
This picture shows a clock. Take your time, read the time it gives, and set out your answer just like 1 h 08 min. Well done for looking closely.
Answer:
5 h 17 min
